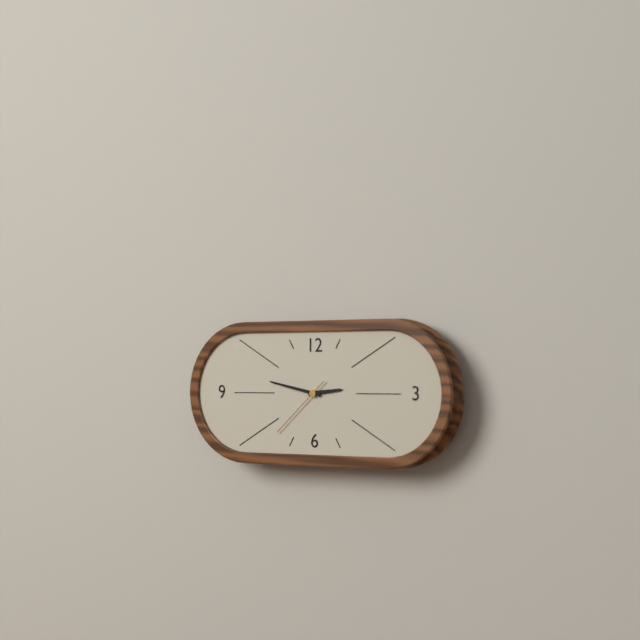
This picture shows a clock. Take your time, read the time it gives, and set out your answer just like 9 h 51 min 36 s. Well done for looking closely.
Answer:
2 h 47 min 38 s
